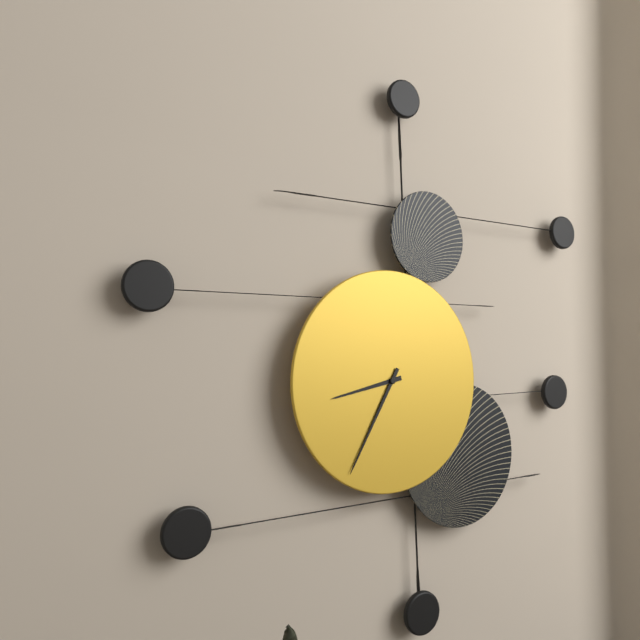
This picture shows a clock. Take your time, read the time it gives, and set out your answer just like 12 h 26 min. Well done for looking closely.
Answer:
8 h 35 min
